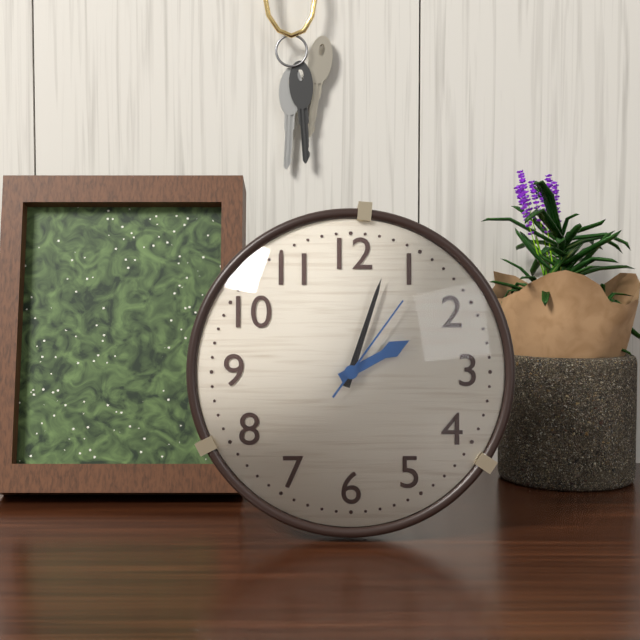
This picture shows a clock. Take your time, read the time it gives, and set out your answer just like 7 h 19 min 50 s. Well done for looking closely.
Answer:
2 h 03 min 06 s
